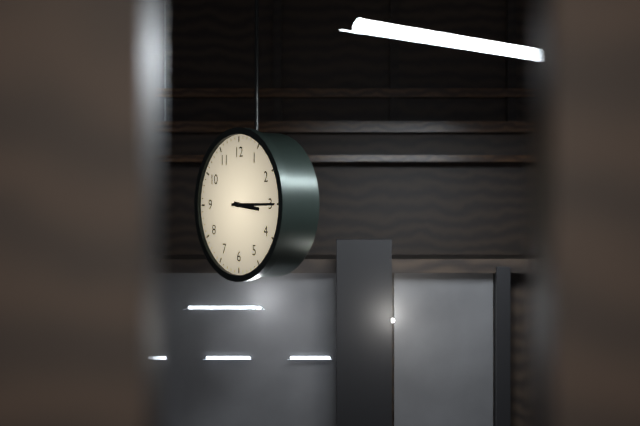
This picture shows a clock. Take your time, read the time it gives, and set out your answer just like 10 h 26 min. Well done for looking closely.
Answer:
3 h 15 min
